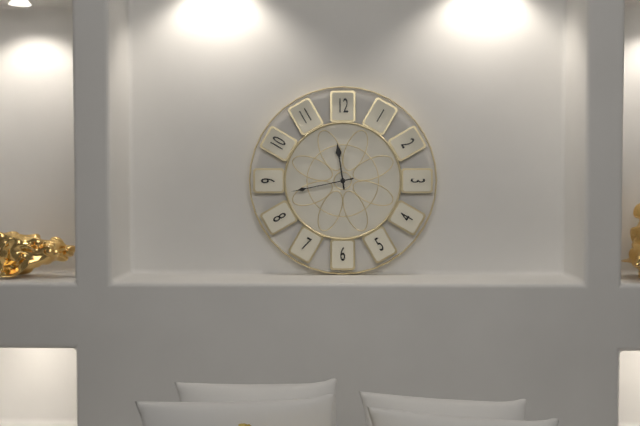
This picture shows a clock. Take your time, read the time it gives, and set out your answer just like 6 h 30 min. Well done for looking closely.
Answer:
11 h 43 min
